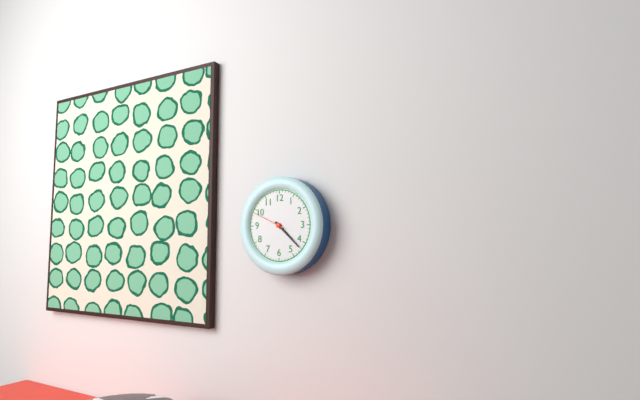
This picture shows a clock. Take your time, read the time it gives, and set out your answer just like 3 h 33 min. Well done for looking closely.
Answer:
4 h 22 min
